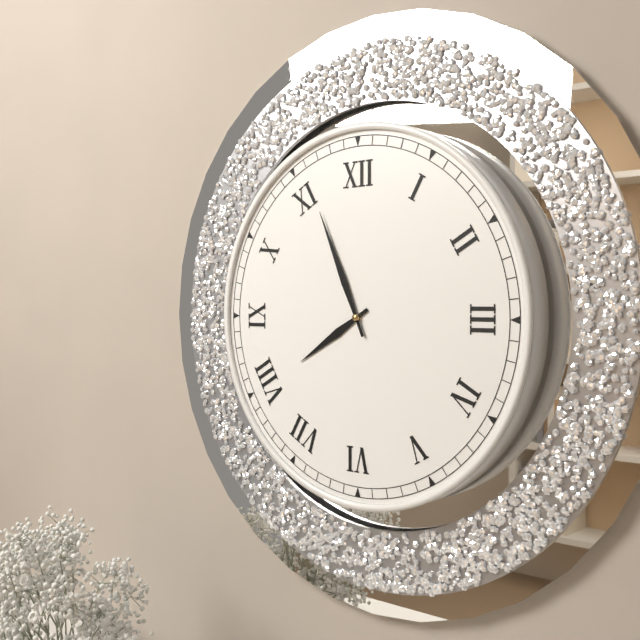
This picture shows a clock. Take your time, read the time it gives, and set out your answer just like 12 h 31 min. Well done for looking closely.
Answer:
7 h 56 min
